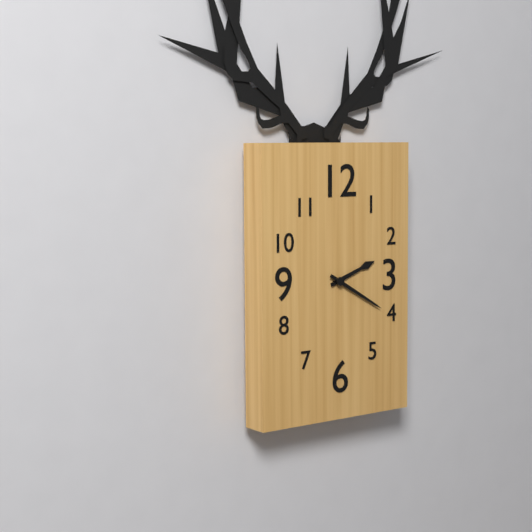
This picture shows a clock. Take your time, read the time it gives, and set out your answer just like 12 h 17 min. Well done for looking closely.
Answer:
2 h 20 min
